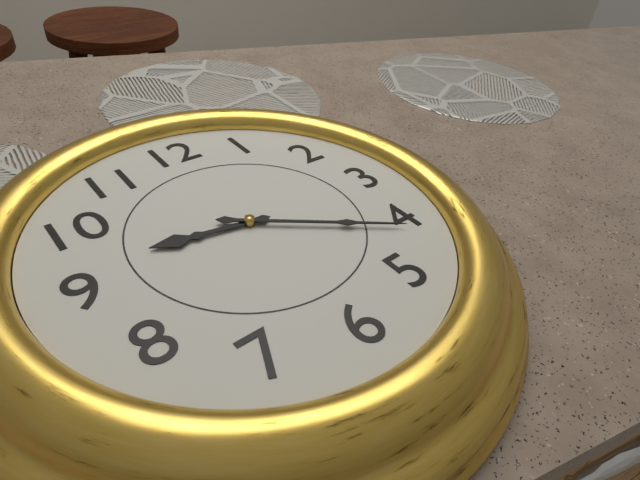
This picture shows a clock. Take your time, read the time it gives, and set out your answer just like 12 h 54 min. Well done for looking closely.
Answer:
9 h 21 min
